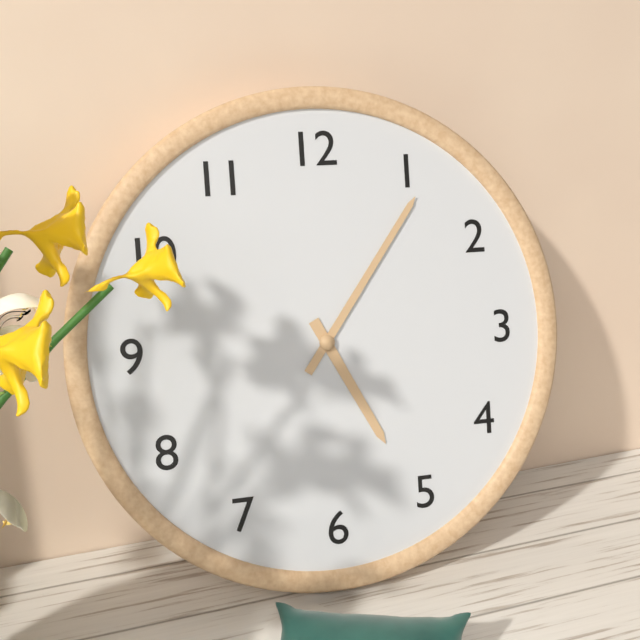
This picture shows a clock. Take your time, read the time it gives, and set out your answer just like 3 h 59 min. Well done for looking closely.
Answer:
5 h 06 min
